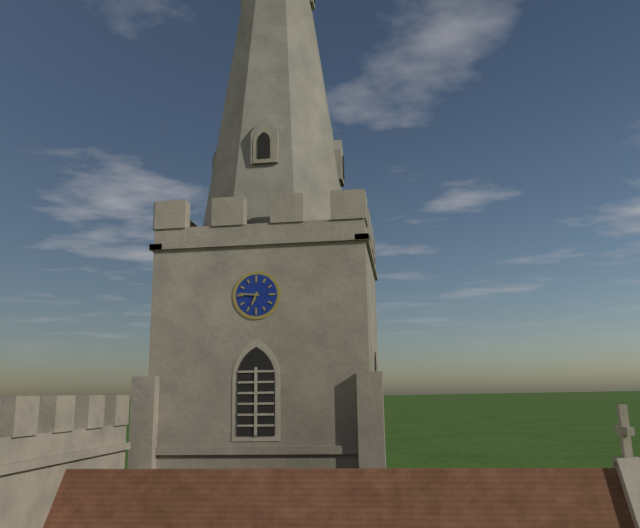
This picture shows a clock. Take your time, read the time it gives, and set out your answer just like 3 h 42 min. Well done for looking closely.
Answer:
6 h 46 min
